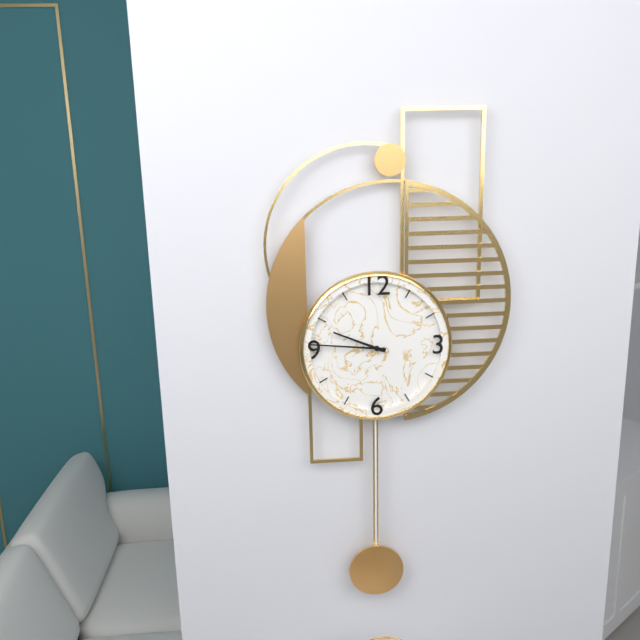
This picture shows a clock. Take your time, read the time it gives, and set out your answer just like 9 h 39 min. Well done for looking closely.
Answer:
9 h 46 min
